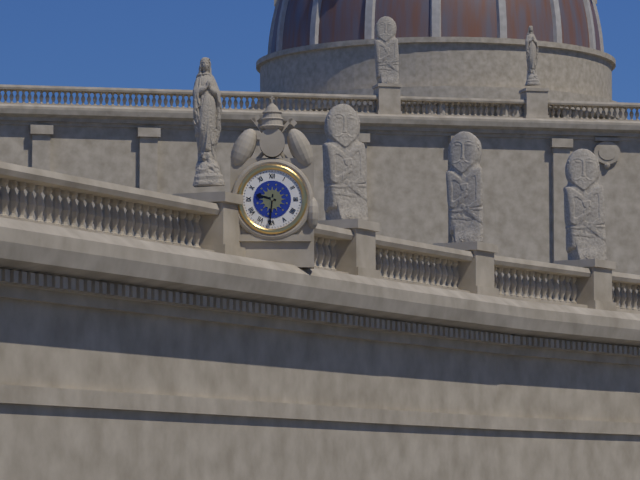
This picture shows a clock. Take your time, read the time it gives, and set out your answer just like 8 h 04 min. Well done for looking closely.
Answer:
9 h 31 min
